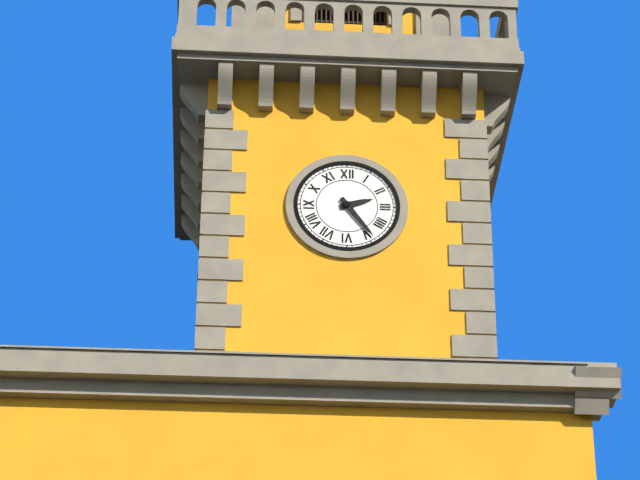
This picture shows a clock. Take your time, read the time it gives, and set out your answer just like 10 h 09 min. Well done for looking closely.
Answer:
2 h 24 min
